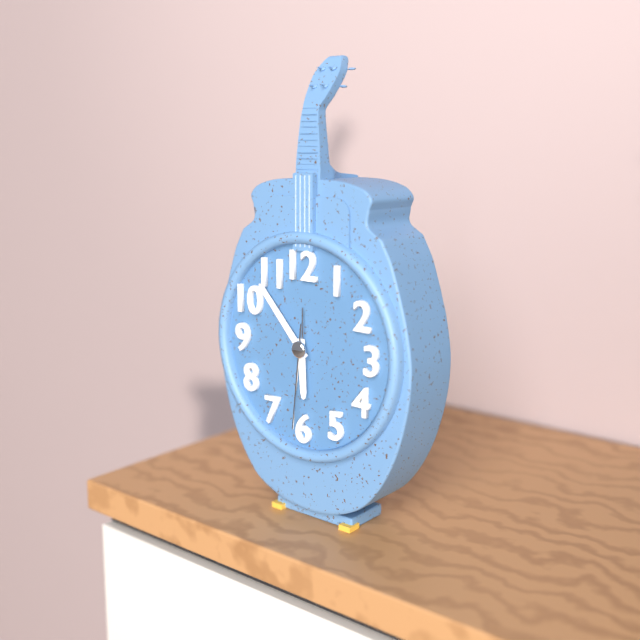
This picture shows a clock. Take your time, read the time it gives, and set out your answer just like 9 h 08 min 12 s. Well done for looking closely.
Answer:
5 h 53 min 31 s
